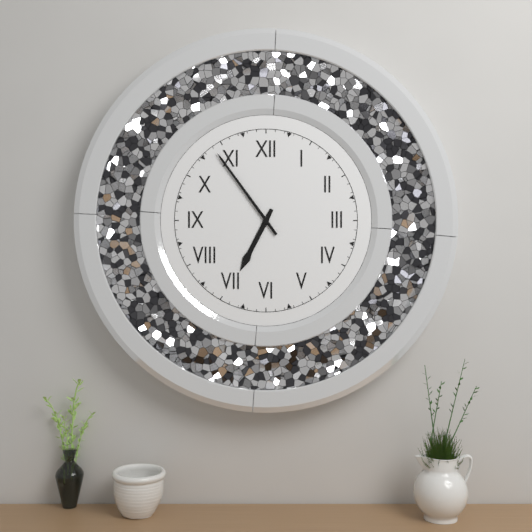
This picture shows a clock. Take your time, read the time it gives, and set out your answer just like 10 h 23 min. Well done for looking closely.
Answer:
6 h 54 min
